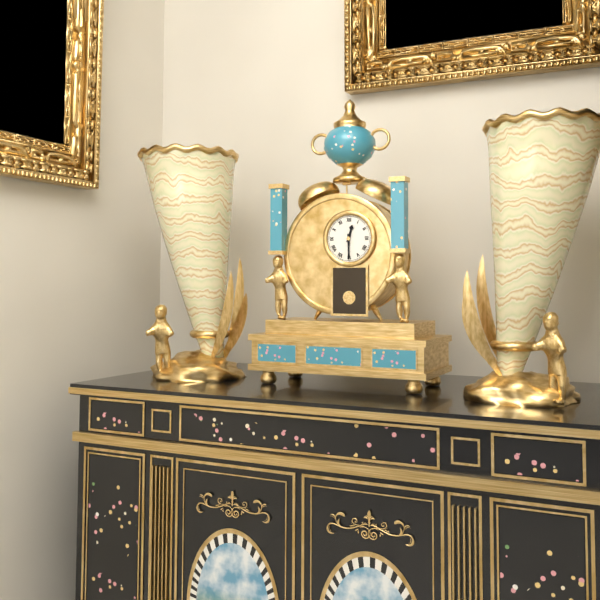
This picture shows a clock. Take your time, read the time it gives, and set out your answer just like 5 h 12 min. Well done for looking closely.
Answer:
12 h 30 min
